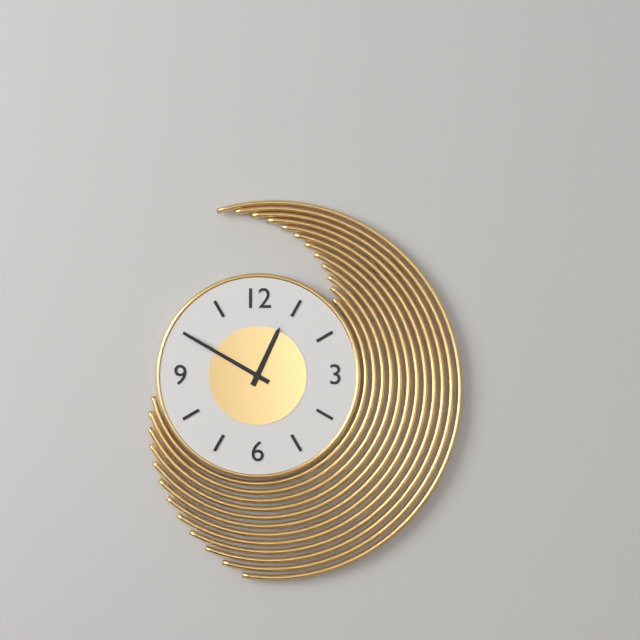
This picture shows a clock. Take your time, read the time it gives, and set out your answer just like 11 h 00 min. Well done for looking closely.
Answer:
12 h 50 min
